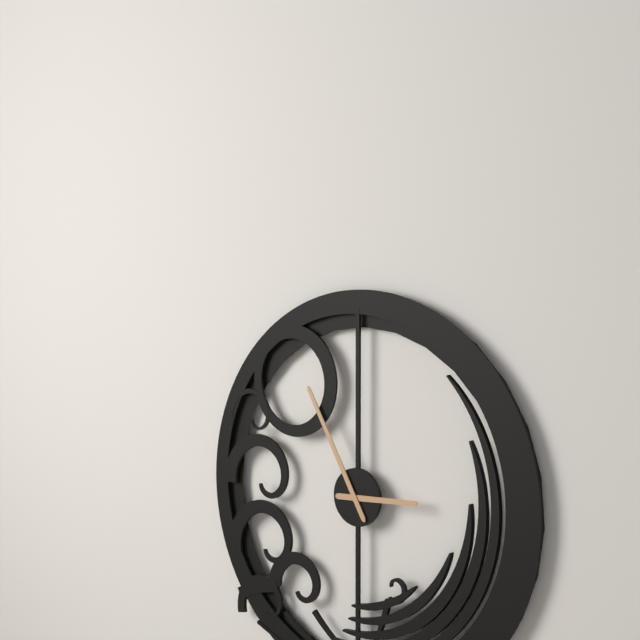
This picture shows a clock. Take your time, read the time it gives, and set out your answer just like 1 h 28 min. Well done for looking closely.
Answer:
2 h 55 min
